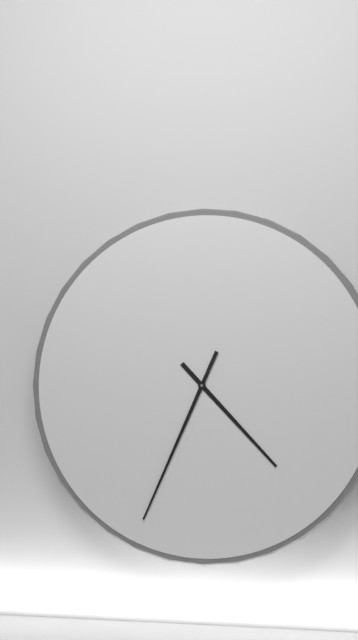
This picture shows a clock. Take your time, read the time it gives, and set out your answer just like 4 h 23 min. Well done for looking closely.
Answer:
4 h 34 min
